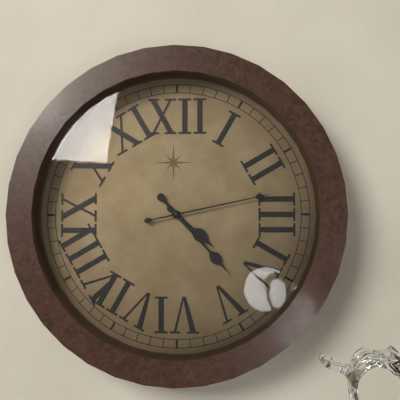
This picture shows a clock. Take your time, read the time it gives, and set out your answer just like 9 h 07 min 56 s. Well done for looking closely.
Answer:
4 h 23 min 13 s
